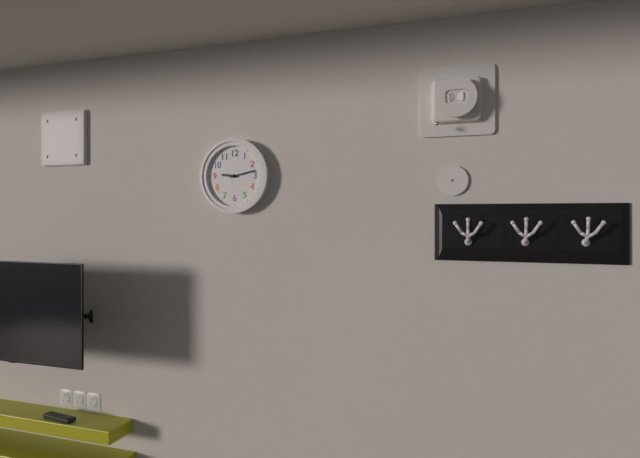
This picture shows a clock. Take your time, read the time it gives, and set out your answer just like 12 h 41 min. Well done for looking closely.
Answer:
9 h 13 min
